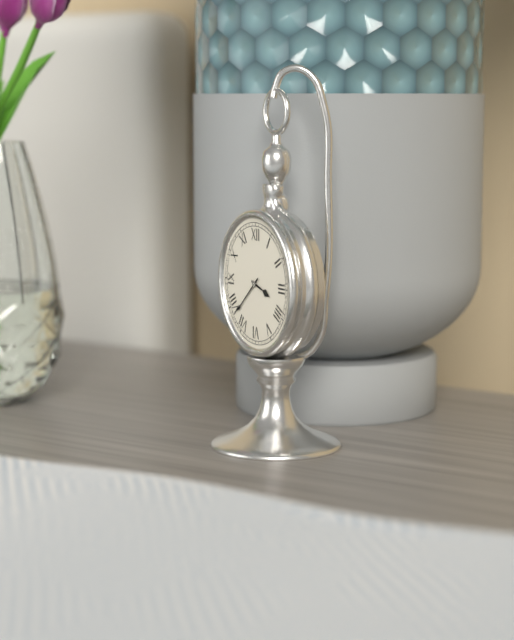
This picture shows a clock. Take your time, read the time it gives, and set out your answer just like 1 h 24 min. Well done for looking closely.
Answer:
3 h 38 min
